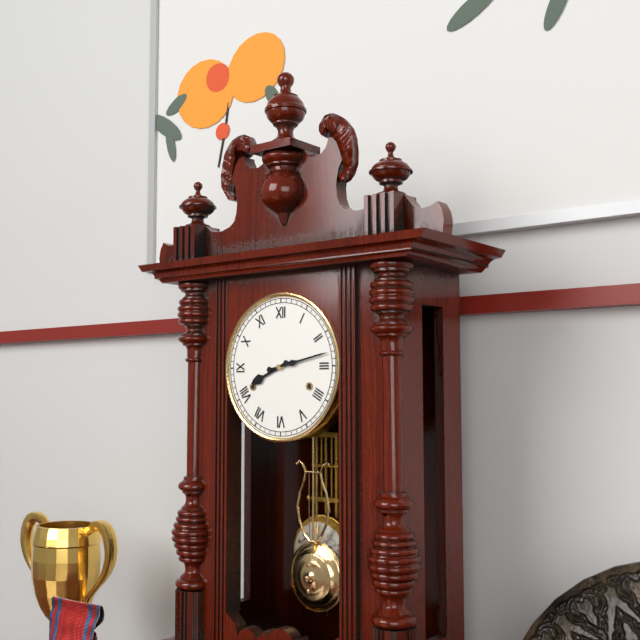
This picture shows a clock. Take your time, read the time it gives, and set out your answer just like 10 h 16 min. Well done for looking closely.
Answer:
8 h 13 min
